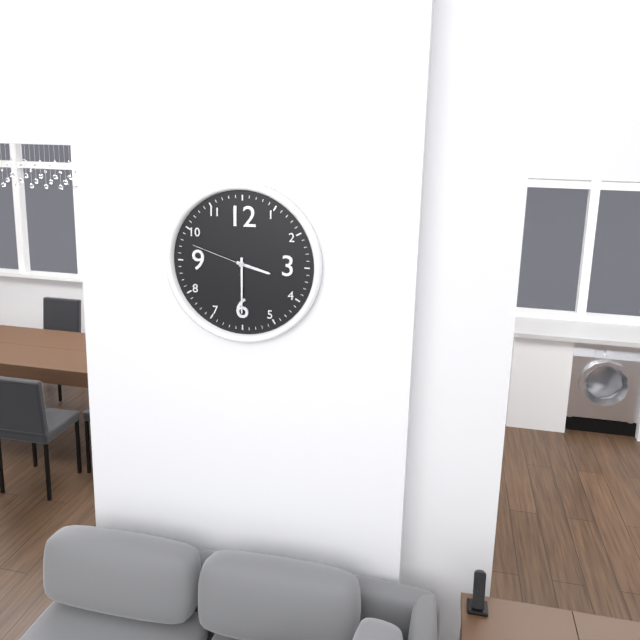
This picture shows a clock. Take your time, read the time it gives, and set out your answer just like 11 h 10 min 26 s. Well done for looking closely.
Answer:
3 h 30 min 48 s
